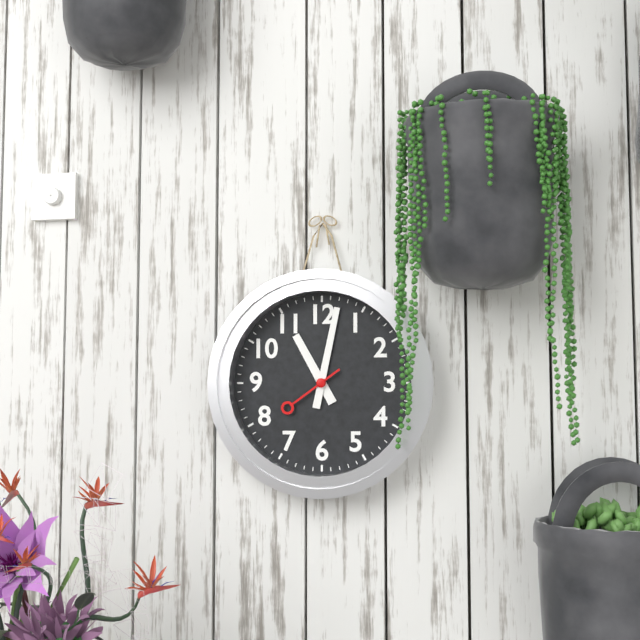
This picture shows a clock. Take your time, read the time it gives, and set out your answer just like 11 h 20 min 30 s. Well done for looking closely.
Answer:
11 h 02 min 39 s
